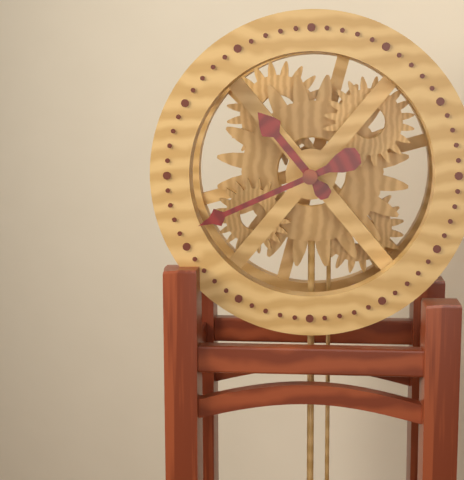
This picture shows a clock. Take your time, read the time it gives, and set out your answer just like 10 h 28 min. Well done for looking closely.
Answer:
10 h 41 min
